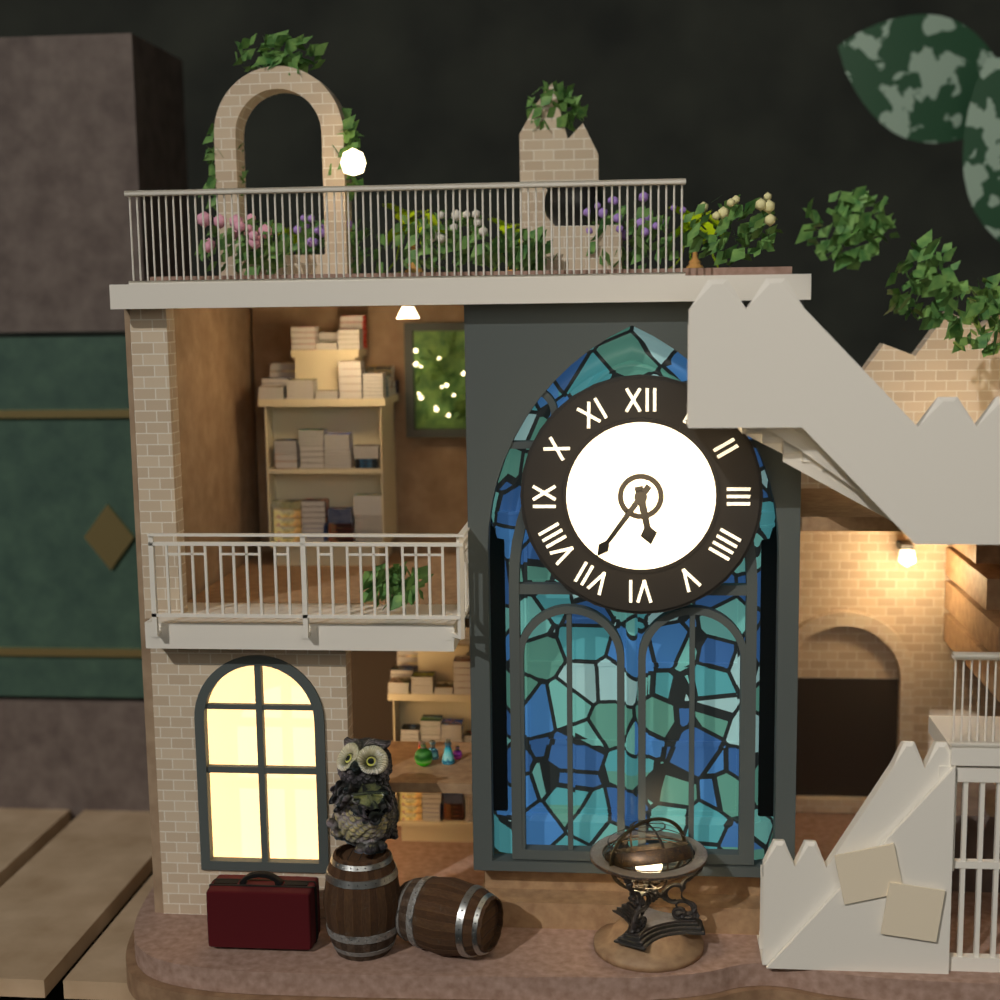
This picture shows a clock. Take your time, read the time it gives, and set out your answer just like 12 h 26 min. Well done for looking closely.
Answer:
5 h 36 min
